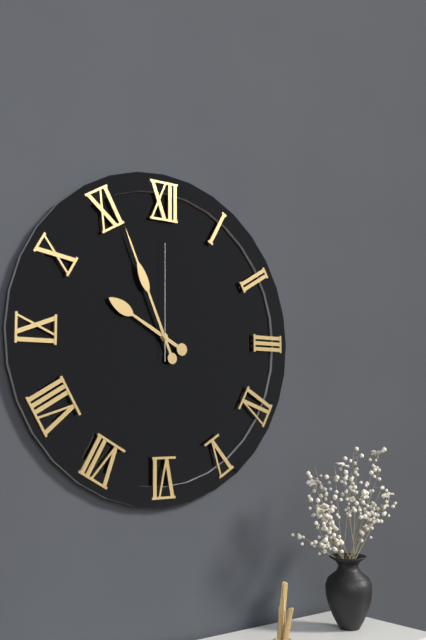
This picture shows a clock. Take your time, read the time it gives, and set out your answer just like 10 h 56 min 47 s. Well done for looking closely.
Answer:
9 h 56 min 00 s
